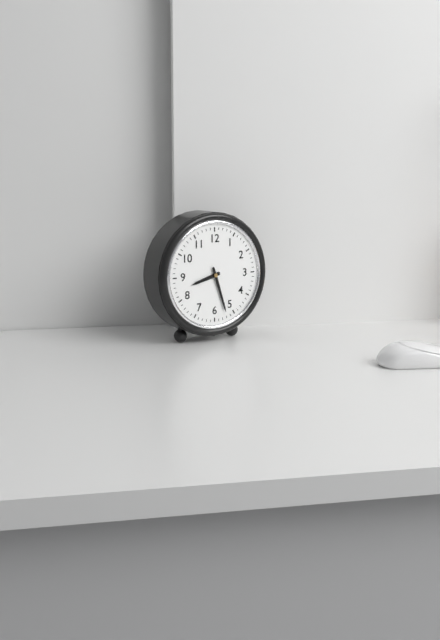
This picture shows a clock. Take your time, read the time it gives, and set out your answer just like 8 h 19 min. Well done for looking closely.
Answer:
8 h 27 min
